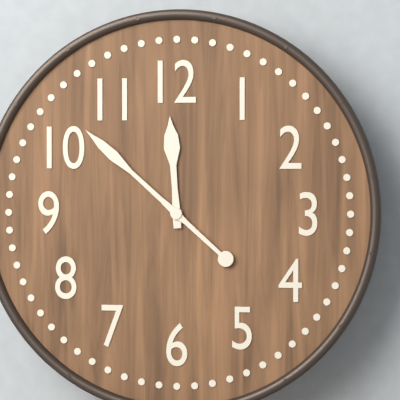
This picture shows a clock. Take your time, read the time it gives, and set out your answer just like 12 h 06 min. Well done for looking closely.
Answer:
11 h 52 min
